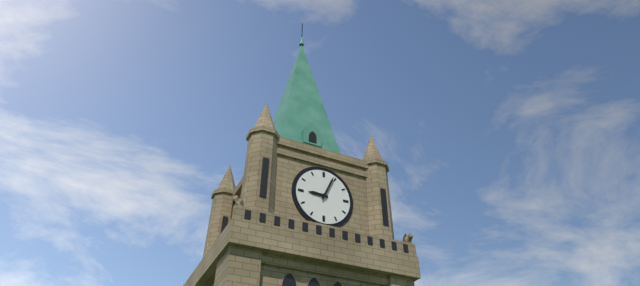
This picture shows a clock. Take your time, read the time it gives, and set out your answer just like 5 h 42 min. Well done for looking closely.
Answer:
9 h 04 min
